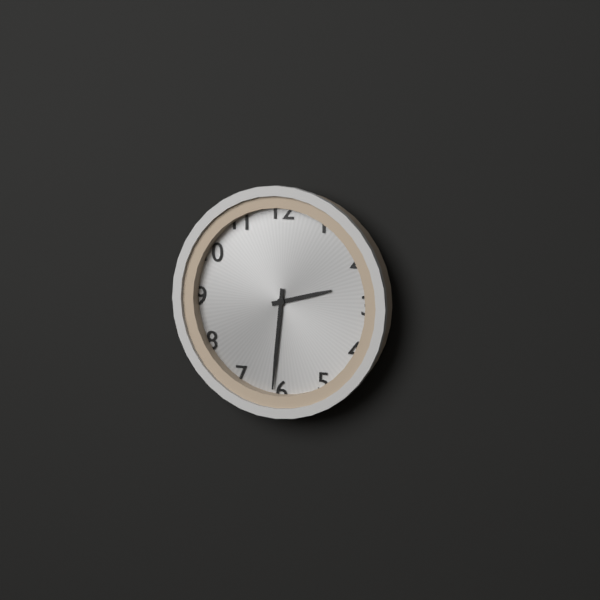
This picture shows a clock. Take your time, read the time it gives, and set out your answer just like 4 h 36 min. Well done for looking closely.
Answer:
2 h 31 min
